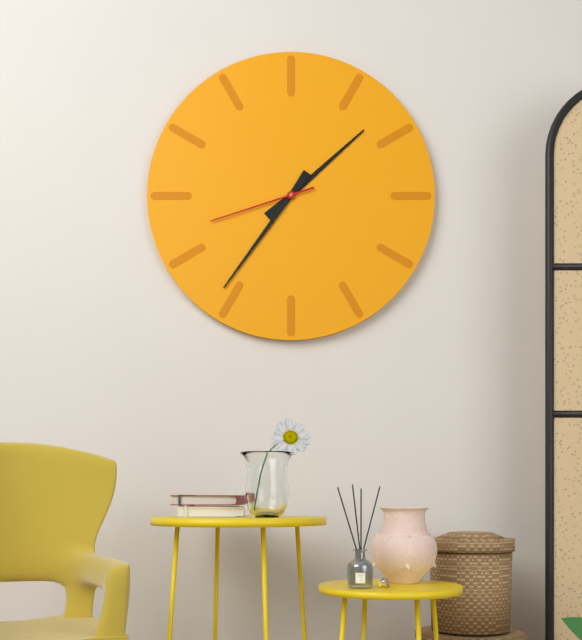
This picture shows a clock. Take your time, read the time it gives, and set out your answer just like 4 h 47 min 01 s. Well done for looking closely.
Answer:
1 h 36 min 42 s
